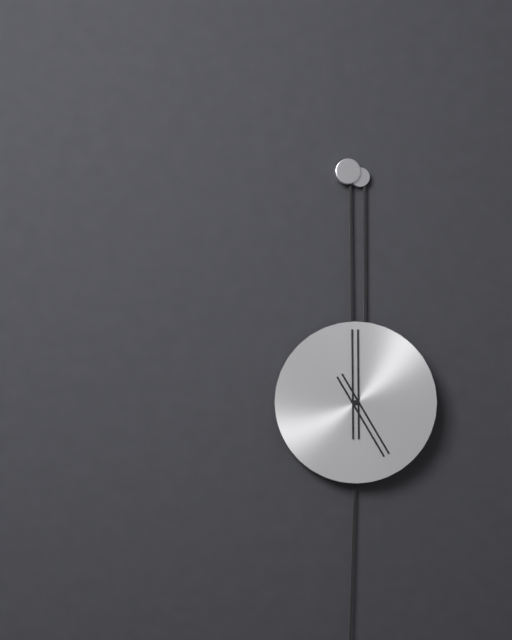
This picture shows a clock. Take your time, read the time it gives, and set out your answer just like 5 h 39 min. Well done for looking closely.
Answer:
5 h 00 min
